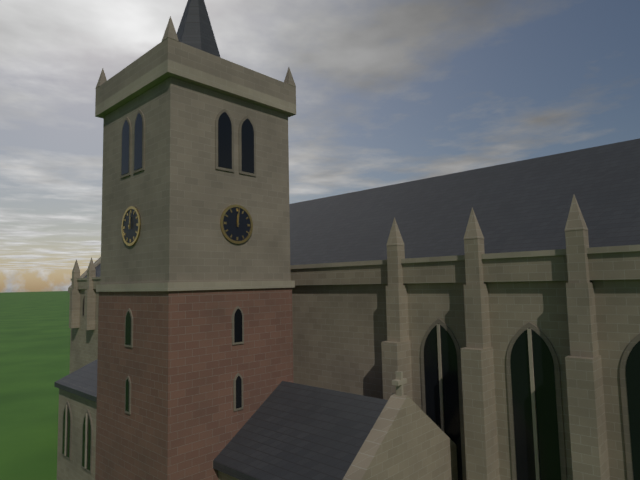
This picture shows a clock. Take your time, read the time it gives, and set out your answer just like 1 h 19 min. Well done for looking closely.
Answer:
12 h 01 min
